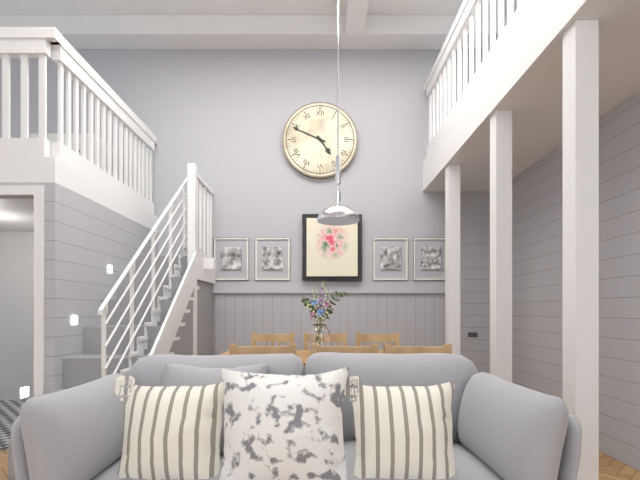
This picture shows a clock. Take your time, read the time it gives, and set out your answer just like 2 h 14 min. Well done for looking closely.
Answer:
4 h 49 min
